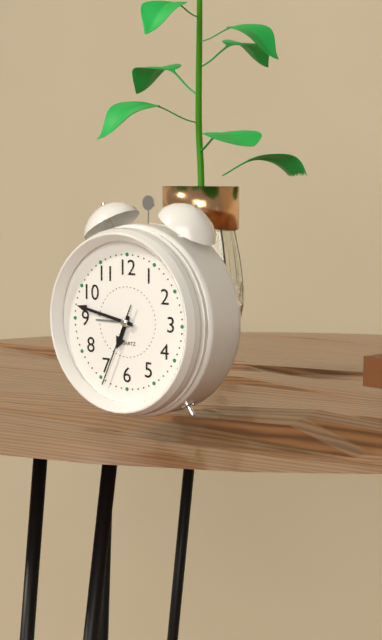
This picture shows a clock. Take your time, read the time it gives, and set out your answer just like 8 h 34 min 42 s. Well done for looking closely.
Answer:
6 h 47 min 34 s
